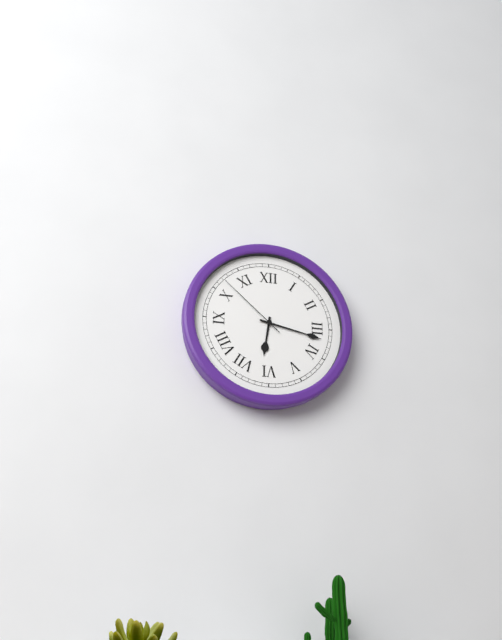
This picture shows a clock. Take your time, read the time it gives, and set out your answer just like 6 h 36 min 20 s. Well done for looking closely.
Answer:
6 h 17 min 52 s
